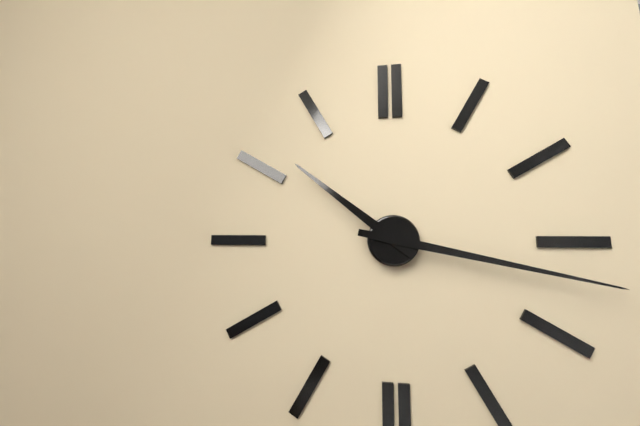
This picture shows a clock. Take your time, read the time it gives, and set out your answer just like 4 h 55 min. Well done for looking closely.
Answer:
10 h 17 min
